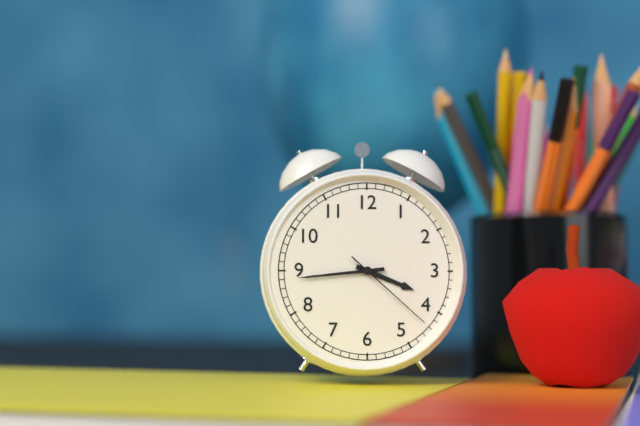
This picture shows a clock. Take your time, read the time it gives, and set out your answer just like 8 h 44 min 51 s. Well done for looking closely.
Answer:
3 h 44 min 22 s
